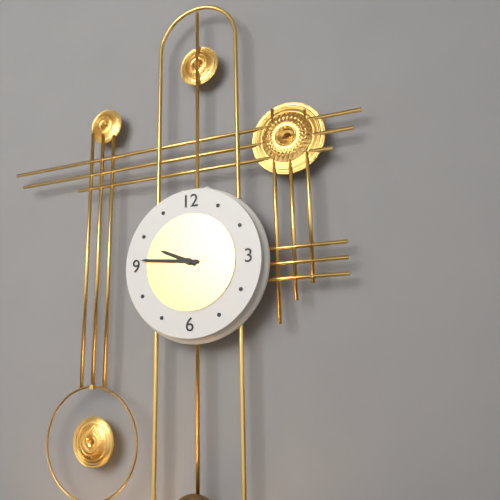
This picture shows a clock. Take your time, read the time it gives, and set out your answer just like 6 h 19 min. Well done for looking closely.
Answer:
9 h 46 min
